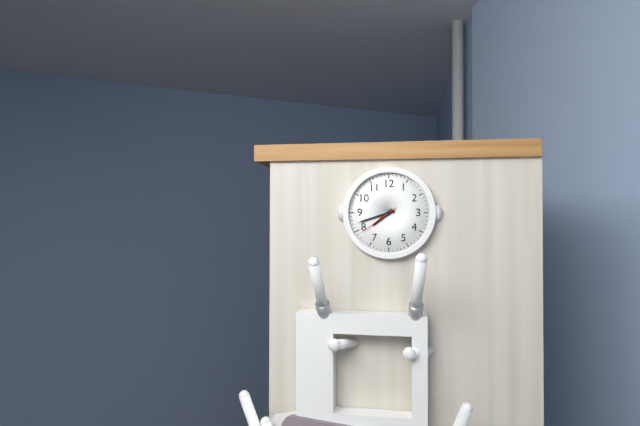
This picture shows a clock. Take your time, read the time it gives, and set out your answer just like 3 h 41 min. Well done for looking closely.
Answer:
7 h 42 min
